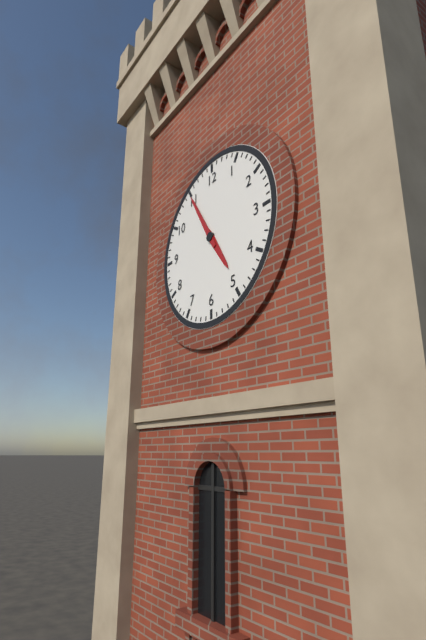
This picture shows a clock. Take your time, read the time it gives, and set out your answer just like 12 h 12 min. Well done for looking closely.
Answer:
4 h 55 min
